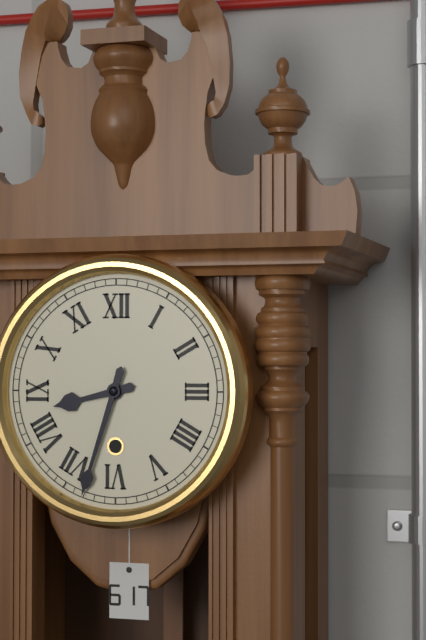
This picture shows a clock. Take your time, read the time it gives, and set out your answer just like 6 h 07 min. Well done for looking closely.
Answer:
8 h 33 min
